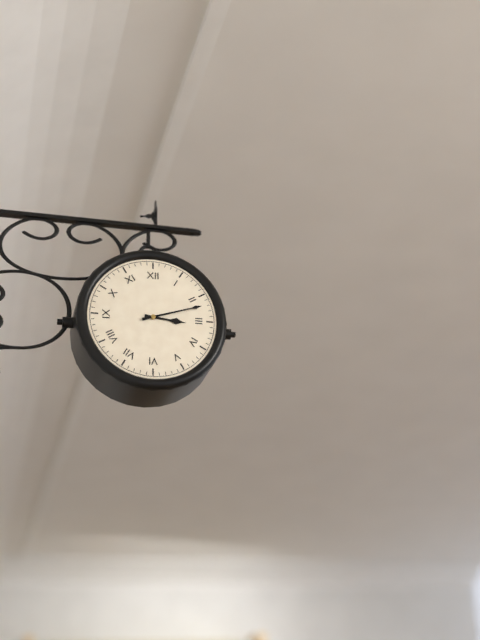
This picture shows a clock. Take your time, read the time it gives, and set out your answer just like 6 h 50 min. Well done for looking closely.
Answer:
3 h 12 min
